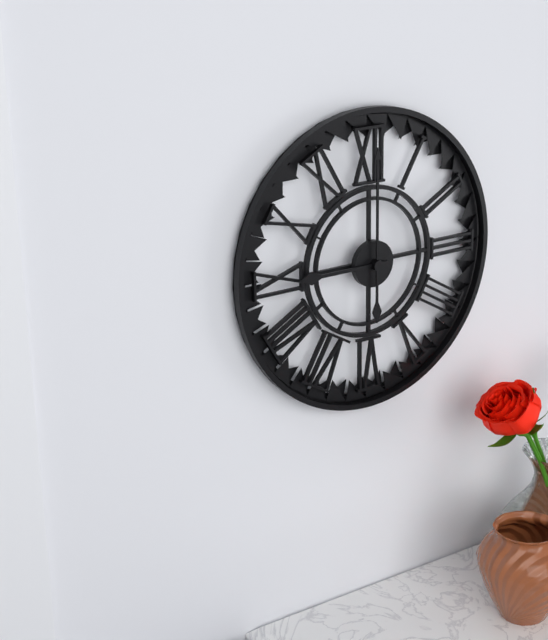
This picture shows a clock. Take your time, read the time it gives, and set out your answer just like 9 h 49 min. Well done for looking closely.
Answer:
9 h 00 min
